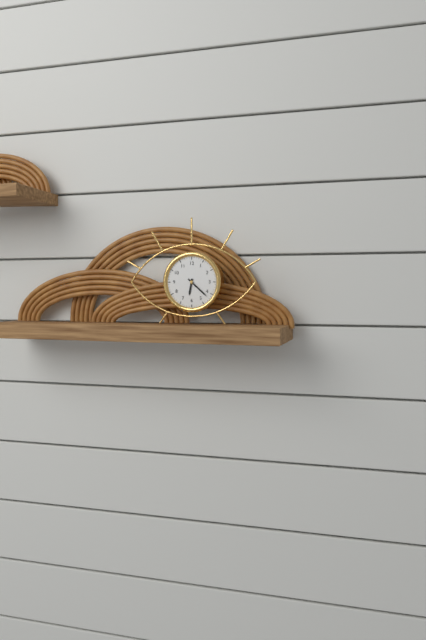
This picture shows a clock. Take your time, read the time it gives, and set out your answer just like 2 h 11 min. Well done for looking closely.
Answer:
6 h 22 min
